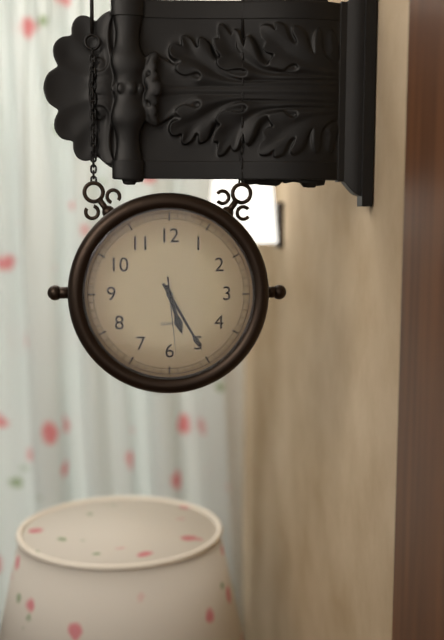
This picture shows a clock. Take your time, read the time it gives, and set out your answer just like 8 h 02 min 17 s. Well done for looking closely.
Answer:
5 h 25 min 29 s
